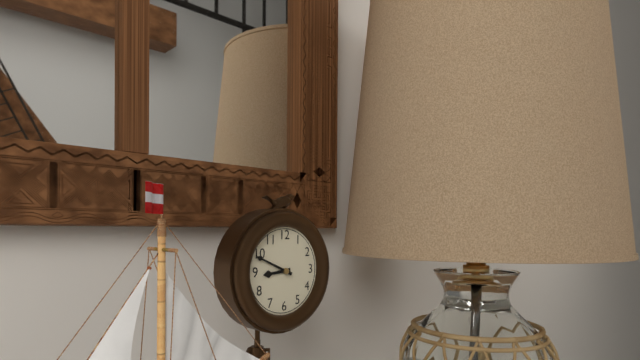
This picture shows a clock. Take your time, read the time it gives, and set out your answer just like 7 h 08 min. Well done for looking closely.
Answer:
8 h 49 min
